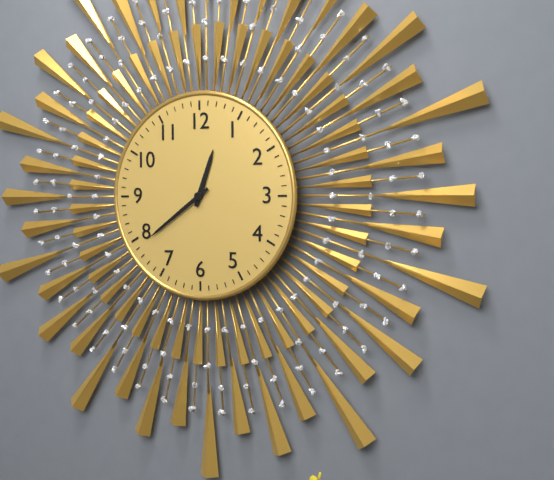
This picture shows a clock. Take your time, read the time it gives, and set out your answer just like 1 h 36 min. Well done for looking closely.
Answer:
12 h 39 min
